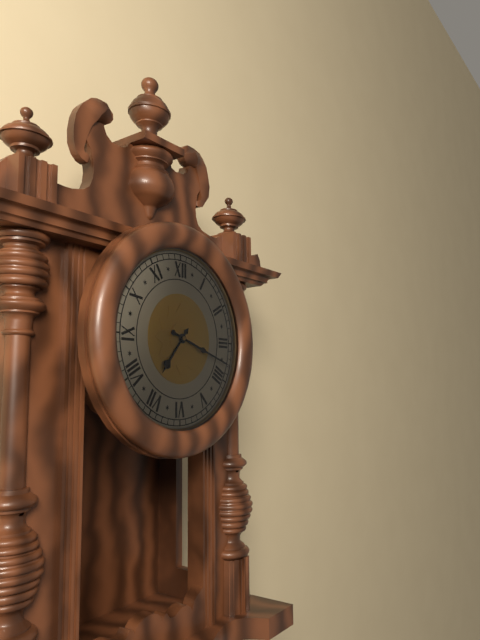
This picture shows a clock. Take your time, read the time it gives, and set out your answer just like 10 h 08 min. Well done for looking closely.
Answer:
7 h 18 min
